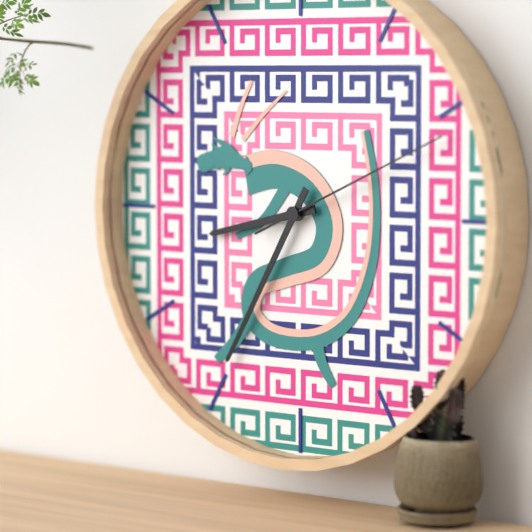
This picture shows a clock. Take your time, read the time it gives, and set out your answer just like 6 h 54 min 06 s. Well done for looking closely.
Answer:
8 h 35 min 11 s
